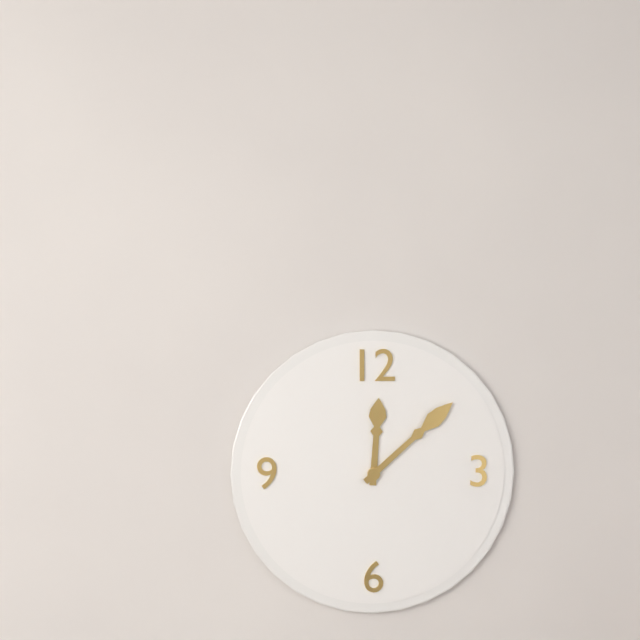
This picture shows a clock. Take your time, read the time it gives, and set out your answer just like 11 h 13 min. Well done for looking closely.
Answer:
12 h 08 min
